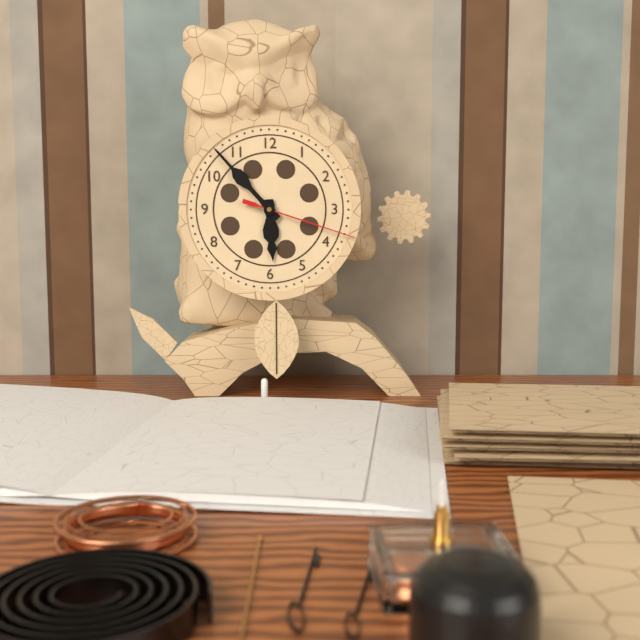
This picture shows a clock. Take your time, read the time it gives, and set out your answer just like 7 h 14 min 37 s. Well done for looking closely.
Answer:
5 h 53 min 18 s
